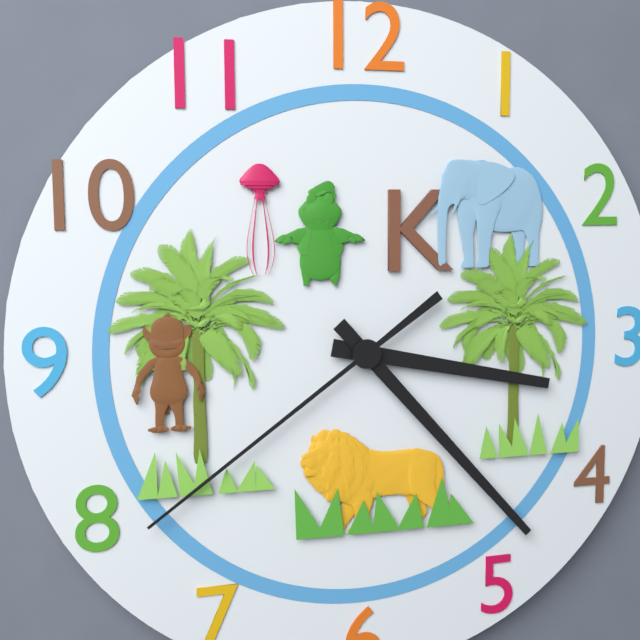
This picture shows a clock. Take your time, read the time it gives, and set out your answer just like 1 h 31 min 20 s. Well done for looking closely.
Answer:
3 h 23 min 39 s
